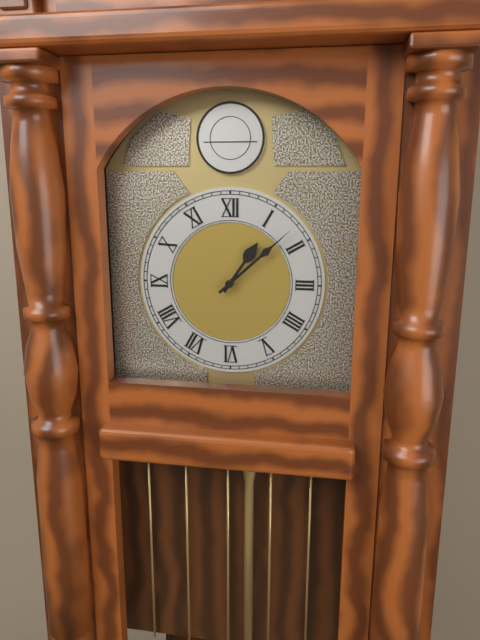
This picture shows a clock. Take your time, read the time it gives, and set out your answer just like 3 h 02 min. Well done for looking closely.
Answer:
1 h 08 min
